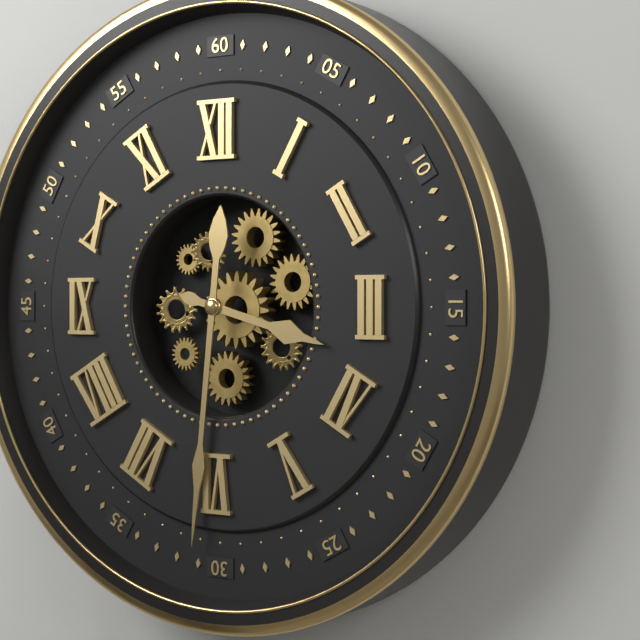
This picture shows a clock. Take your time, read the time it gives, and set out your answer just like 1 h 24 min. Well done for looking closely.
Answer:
3 h 31 min
